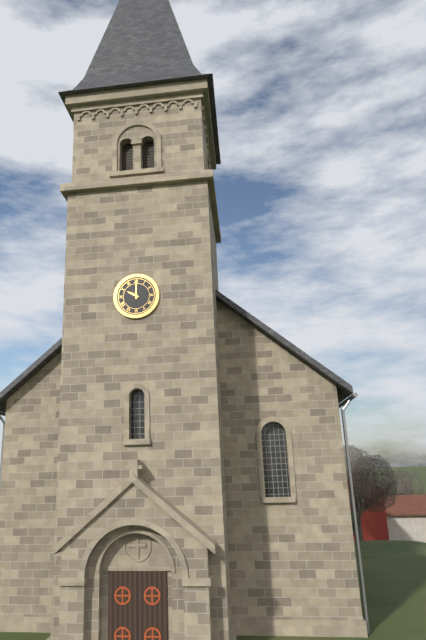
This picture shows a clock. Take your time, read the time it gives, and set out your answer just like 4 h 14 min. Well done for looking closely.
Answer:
10 h 00 min
